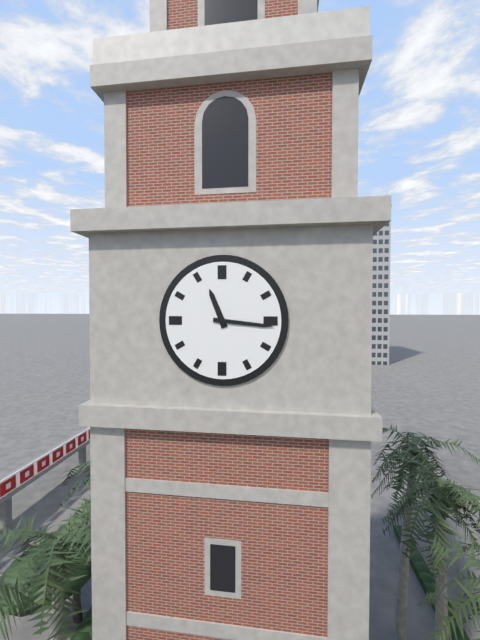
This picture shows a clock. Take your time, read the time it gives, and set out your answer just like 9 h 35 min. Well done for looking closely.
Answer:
11 h 16 min
